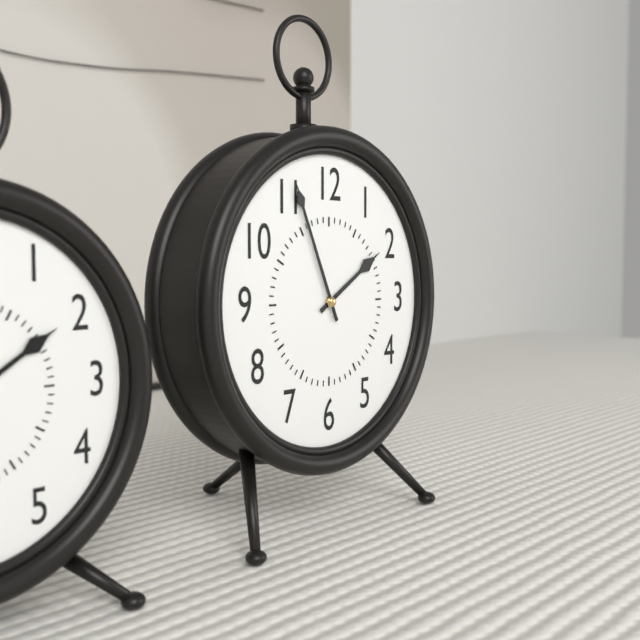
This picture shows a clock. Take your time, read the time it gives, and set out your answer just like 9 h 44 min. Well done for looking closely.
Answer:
1 h 56 min
